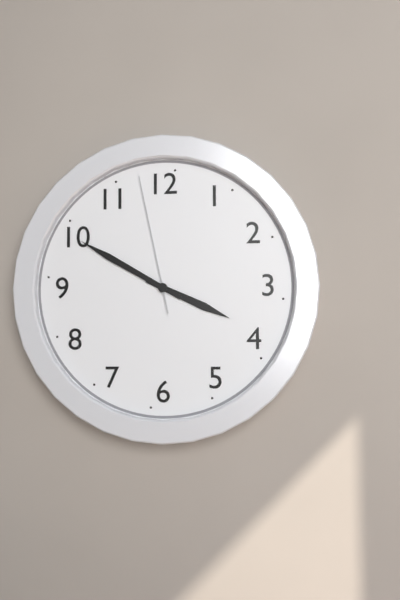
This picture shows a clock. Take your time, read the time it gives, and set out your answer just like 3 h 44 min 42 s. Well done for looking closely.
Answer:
3 h 50 min 58 s
